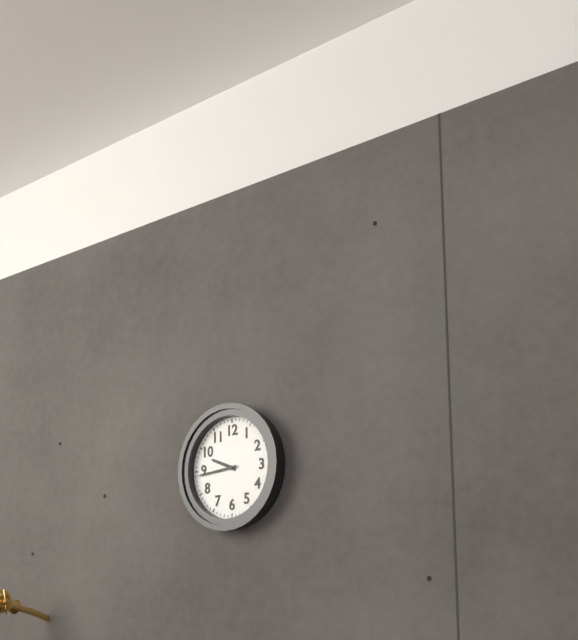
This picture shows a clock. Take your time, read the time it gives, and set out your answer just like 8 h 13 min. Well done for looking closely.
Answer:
9 h 44 min
